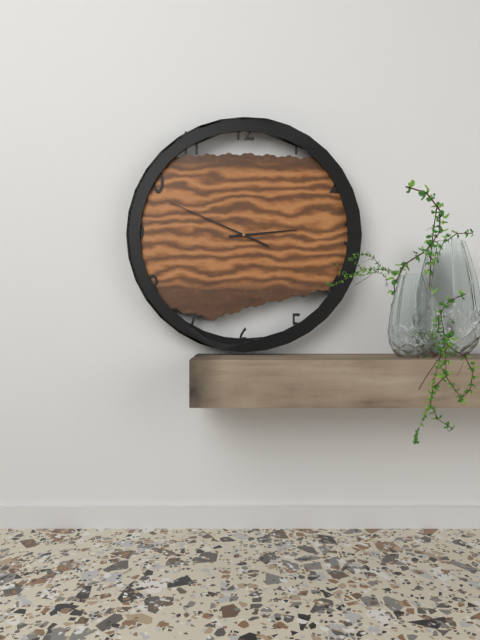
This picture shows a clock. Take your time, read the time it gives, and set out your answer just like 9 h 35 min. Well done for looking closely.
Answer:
2 h 49 min
